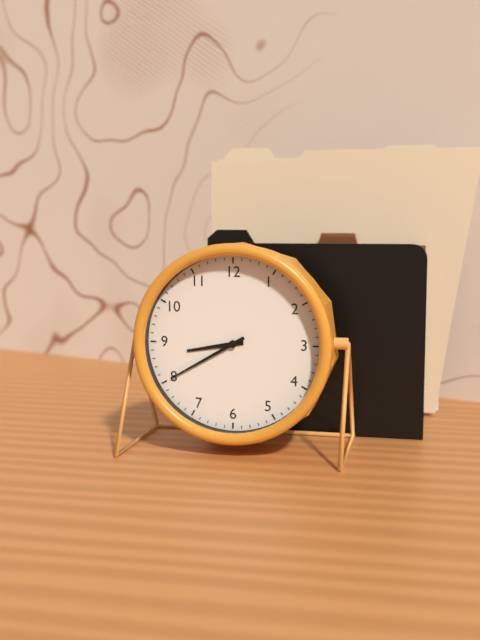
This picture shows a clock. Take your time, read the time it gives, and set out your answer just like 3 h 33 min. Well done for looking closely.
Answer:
8 h 40 min
